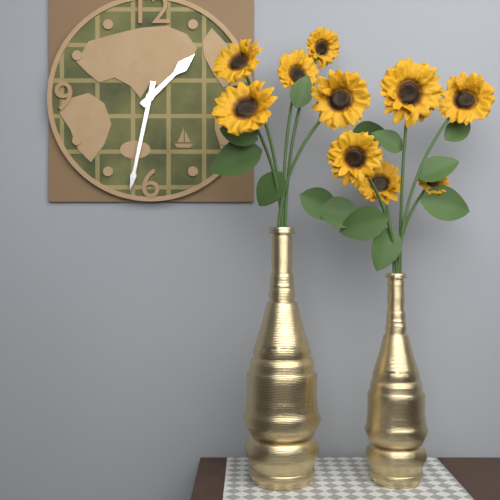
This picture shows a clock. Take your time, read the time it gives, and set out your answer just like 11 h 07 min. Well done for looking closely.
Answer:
1 h 32 min
